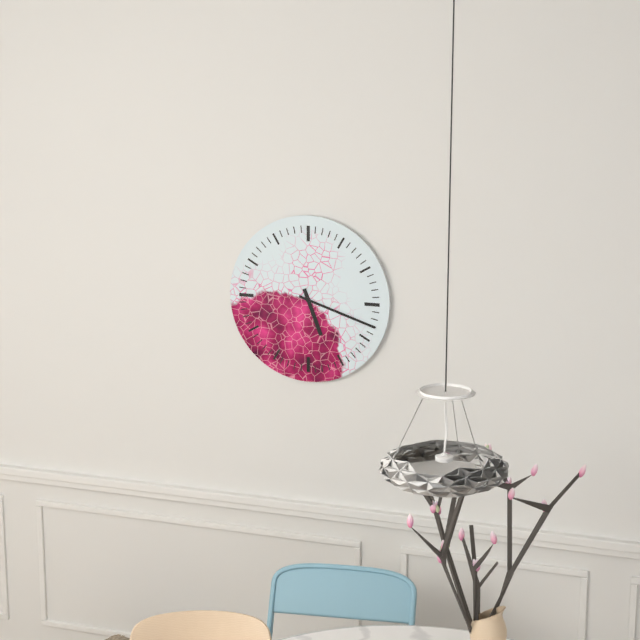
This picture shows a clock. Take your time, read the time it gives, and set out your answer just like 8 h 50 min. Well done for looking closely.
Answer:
5 h 18 min
